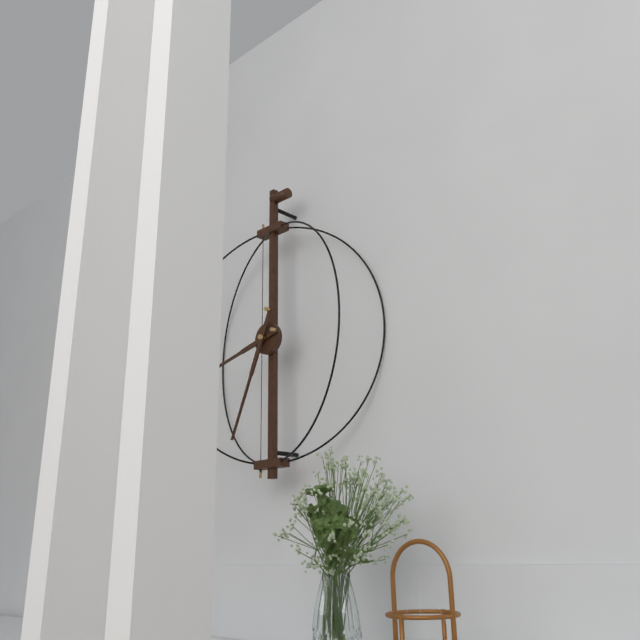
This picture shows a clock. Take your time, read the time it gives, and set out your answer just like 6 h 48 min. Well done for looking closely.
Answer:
8 h 34 min
